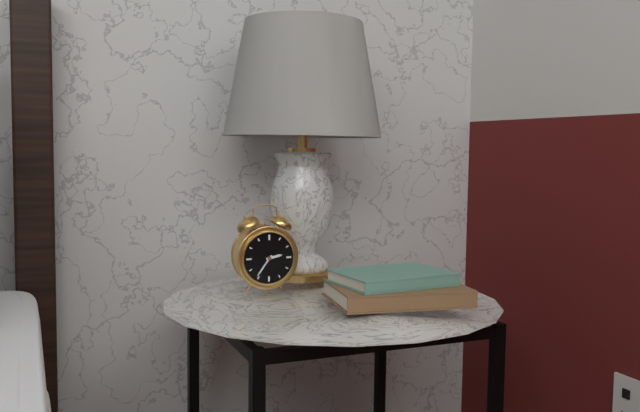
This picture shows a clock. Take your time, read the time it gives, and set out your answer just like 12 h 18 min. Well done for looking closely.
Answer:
2 h 36 min
